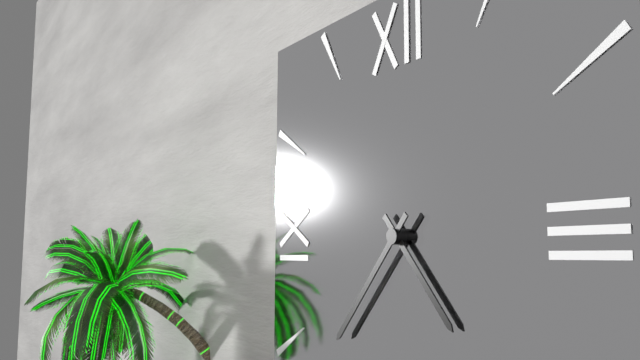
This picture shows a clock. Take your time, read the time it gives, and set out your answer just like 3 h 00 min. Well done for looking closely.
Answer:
4 h 37 min
